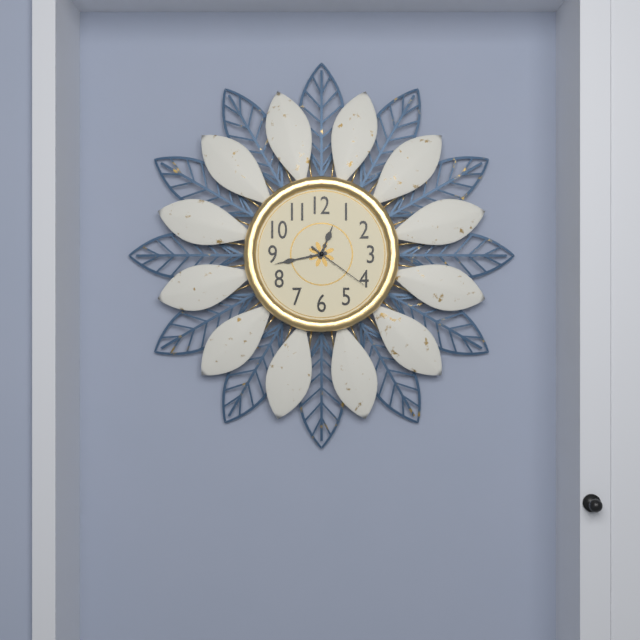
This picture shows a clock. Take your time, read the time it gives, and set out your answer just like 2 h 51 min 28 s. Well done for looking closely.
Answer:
12 h 43 min 21 s
